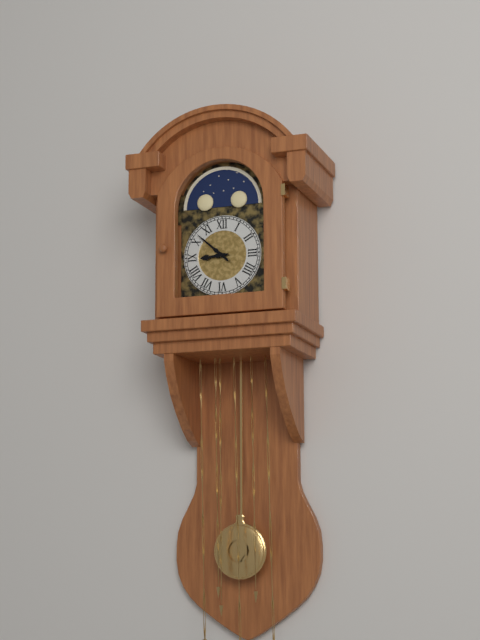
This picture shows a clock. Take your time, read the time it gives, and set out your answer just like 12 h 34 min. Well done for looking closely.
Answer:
8 h 52 min
